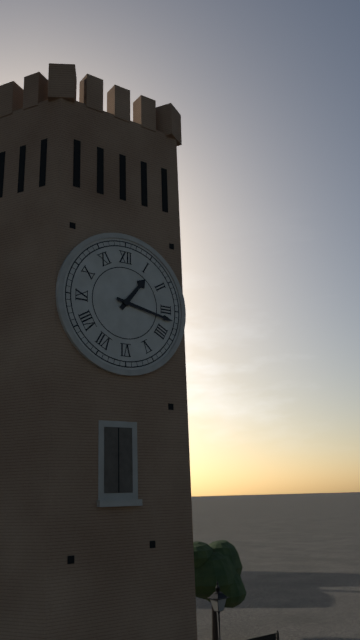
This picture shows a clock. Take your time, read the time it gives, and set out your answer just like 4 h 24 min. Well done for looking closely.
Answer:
1 h 17 min
